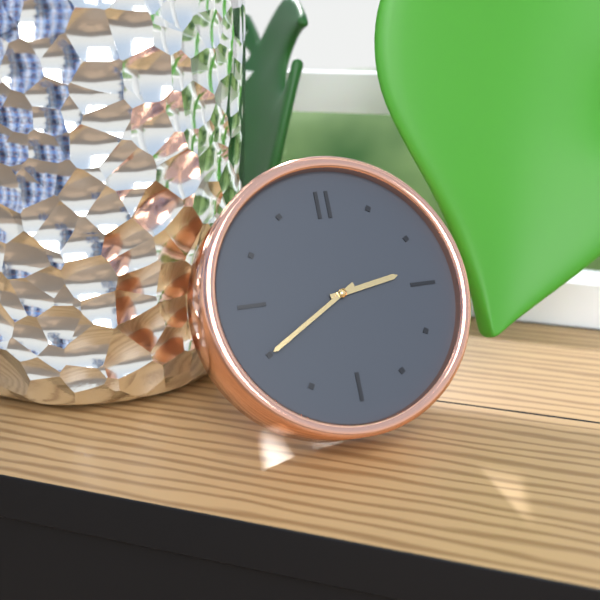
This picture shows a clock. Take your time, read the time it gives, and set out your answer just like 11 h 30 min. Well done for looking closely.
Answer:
2 h 40 min
